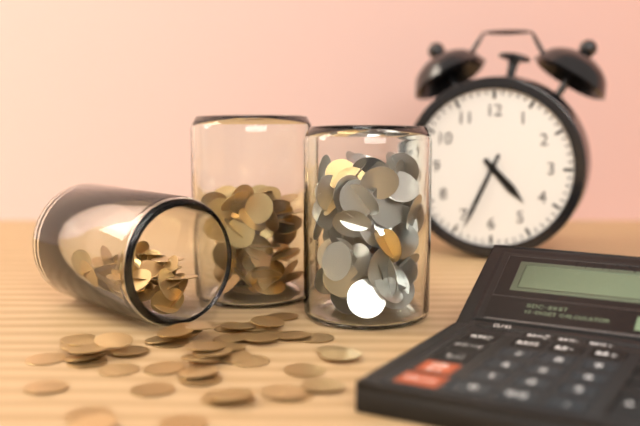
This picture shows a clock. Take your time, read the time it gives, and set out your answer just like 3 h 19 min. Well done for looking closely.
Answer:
4 h 34 min
